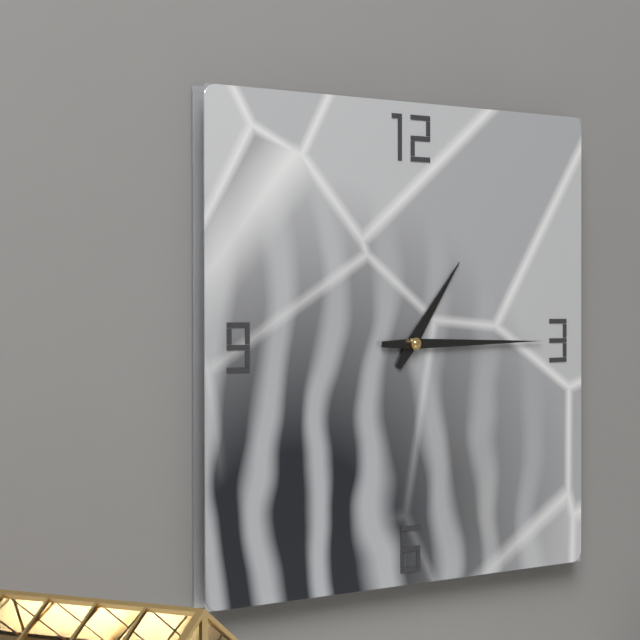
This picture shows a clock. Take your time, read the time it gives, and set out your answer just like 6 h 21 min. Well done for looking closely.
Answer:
1 h 15 min
